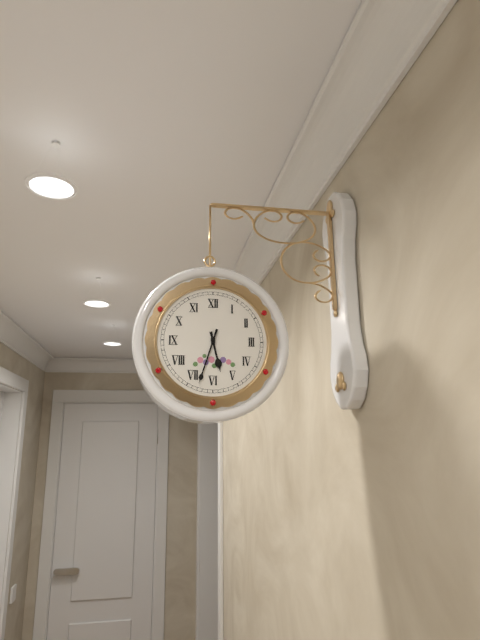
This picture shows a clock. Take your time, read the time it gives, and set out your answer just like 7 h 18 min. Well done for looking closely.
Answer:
5 h 33 min
